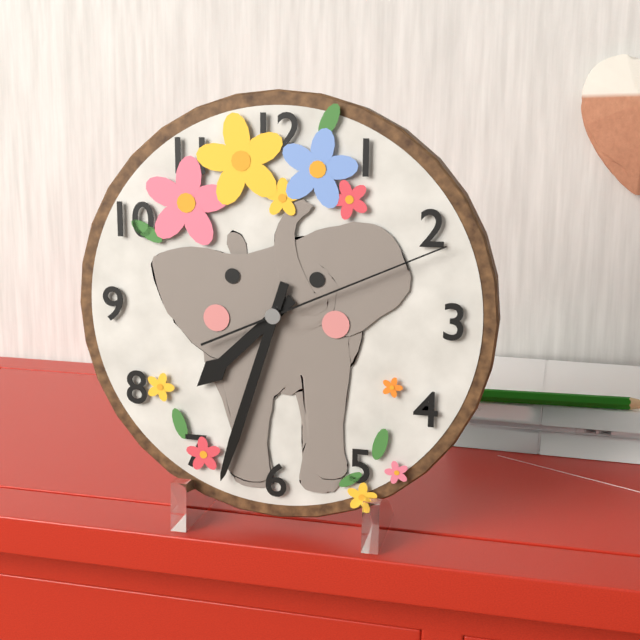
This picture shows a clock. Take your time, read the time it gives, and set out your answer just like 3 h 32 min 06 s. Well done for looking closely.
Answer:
7 h 33 min 11 s
